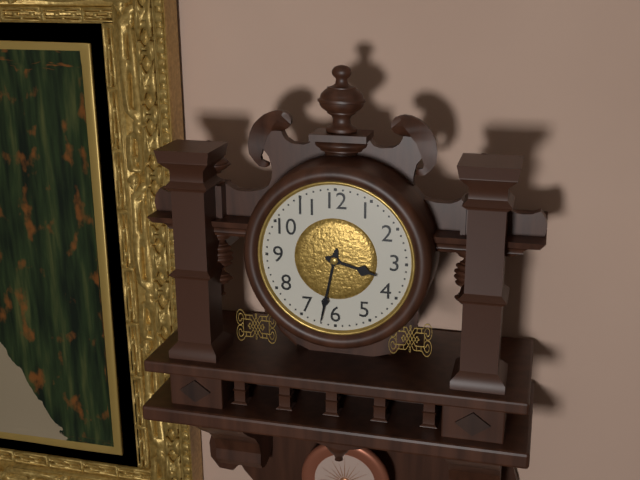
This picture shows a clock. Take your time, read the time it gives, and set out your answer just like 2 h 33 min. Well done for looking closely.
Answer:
3 h 32 min
